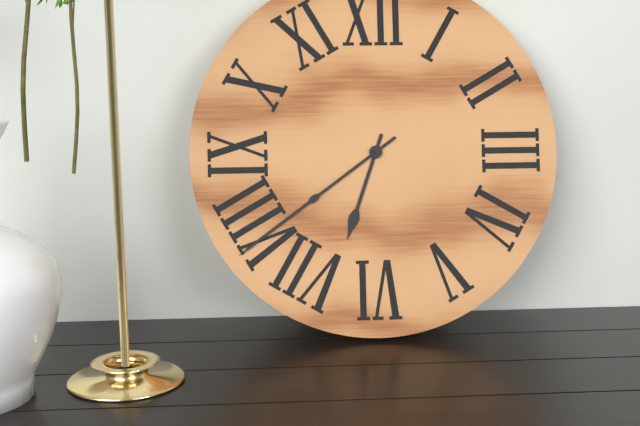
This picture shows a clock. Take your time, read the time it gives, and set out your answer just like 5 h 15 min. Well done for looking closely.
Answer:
6 h 39 min
